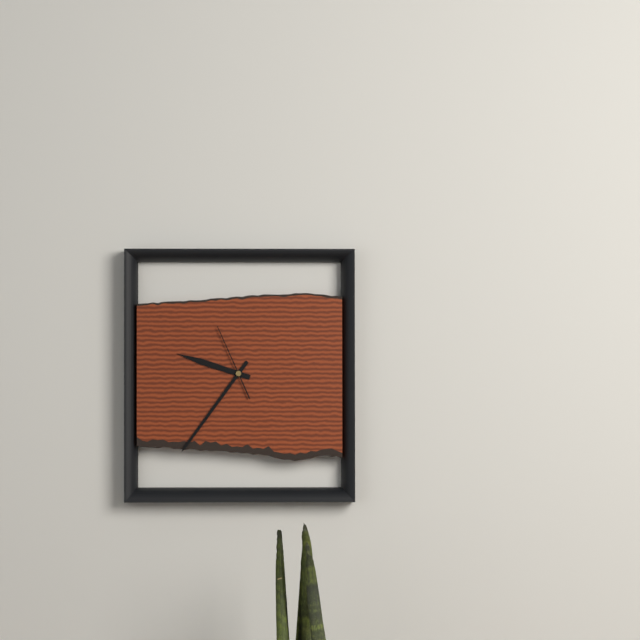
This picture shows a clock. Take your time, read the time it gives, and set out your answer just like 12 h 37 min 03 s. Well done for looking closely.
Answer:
9 h 36 min 56 s
